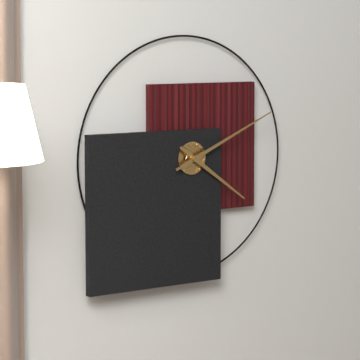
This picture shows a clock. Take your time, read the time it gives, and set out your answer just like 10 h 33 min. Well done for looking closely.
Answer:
4 h 11 min
